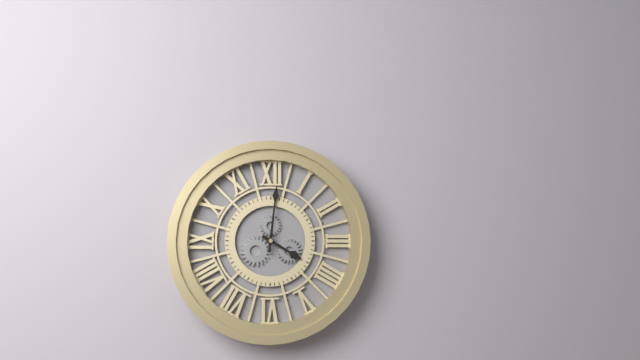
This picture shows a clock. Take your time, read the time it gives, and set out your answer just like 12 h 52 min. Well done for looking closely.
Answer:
4 h 01 min
